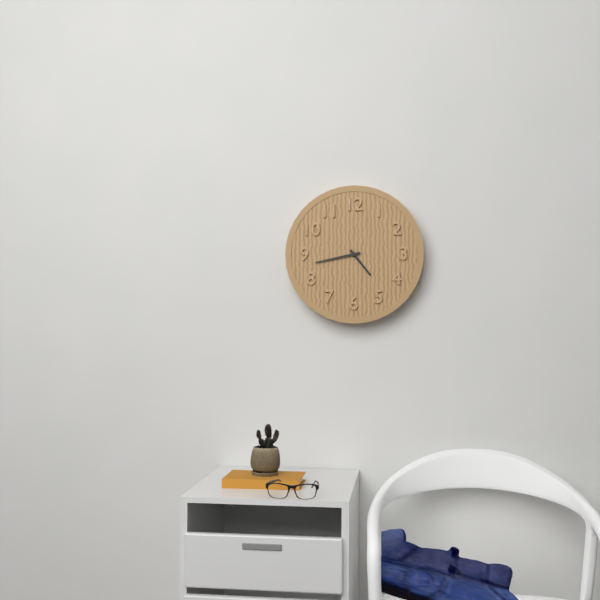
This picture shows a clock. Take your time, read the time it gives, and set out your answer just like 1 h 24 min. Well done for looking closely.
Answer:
4 h 43 min
